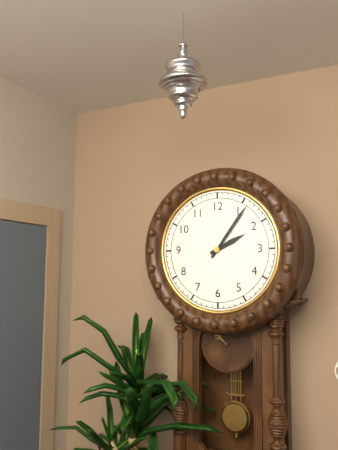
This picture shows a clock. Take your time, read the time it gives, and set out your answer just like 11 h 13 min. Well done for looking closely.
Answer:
2 h 06 min
